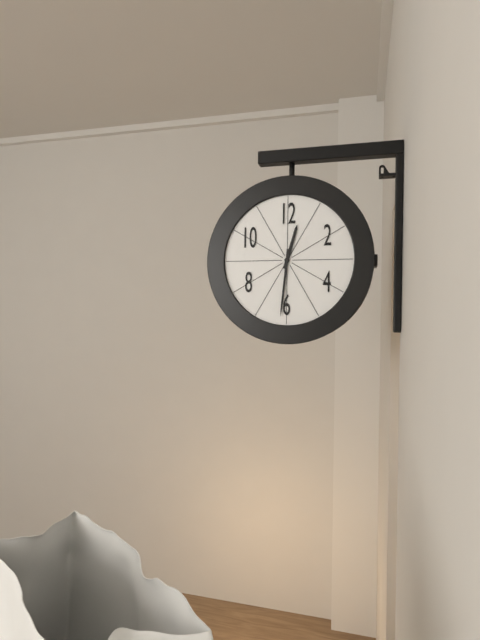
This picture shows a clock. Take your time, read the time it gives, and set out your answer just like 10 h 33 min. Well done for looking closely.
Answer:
12 h 31 min
